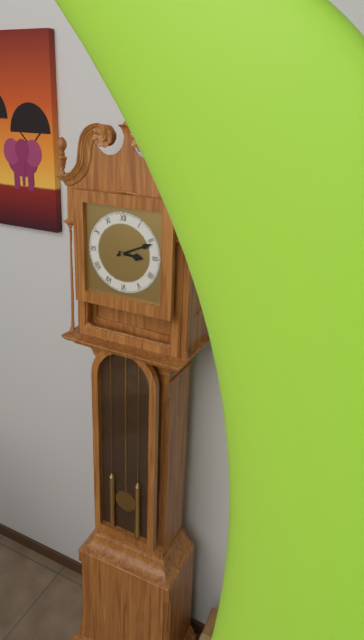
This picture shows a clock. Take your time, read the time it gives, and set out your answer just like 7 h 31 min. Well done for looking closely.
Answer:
3 h 11 min
